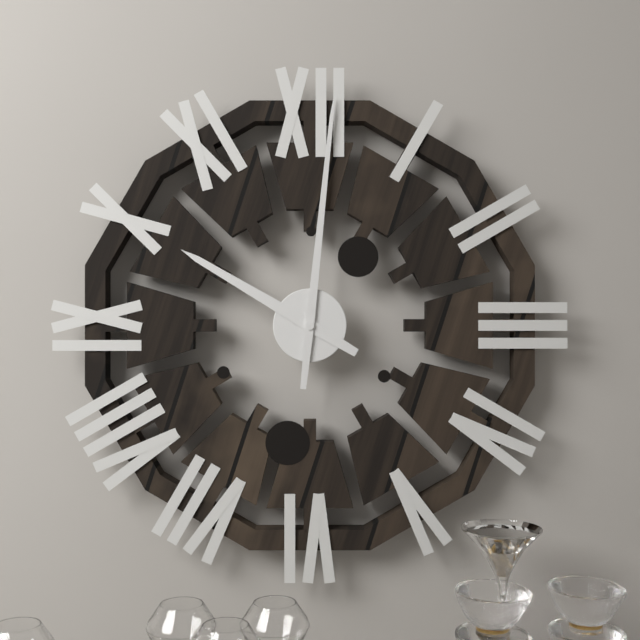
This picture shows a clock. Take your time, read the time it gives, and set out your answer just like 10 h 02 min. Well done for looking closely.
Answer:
10 h 01 min
